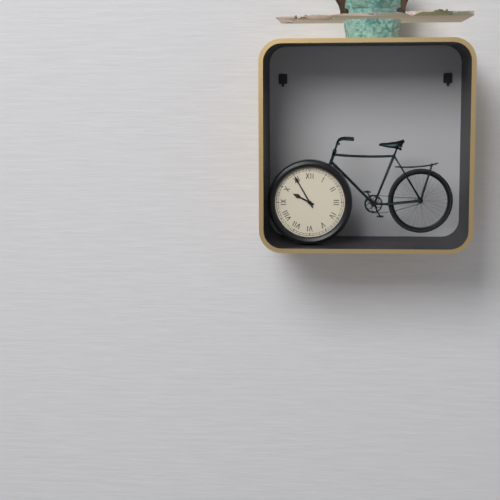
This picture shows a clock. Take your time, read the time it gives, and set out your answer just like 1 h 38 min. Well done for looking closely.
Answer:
9 h 55 min
